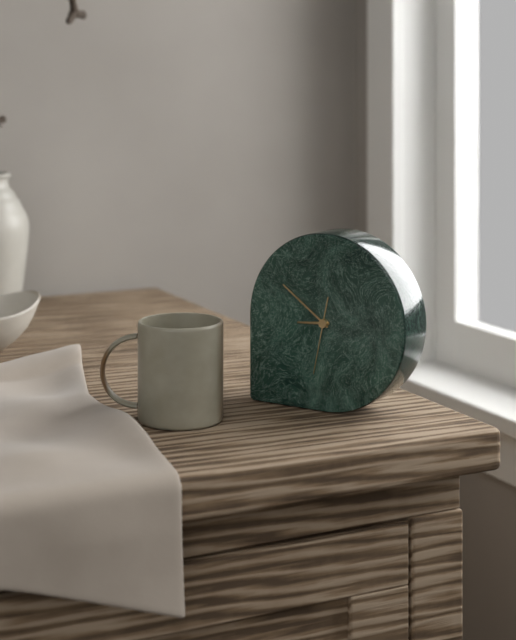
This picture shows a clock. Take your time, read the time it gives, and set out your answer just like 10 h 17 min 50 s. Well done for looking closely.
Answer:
8 h 51 min 32 s
